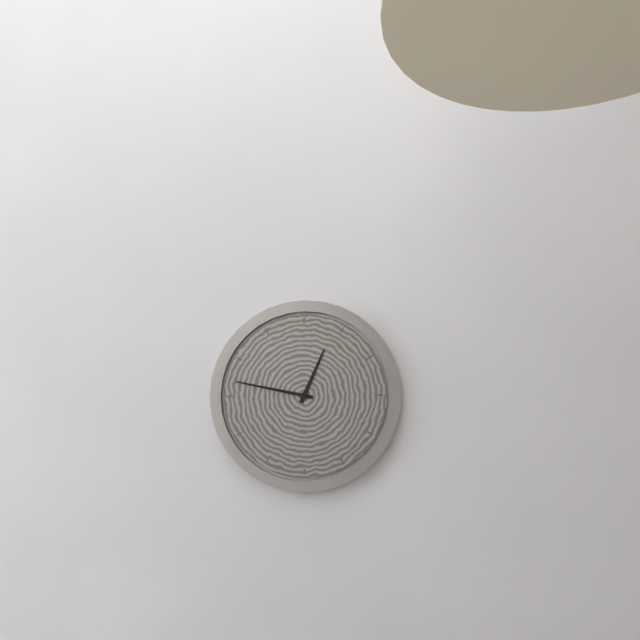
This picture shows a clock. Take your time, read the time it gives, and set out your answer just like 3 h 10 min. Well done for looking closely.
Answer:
12 h 47 min
